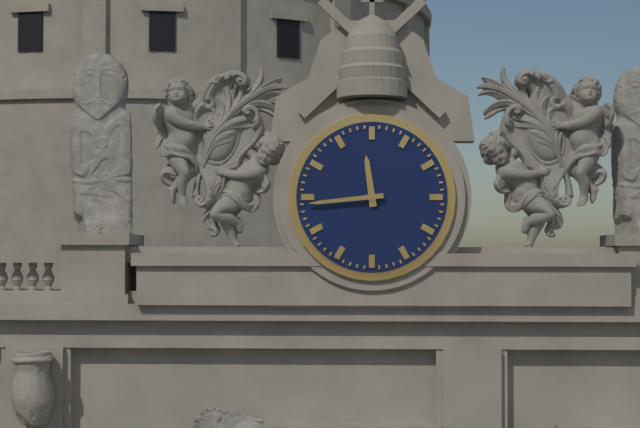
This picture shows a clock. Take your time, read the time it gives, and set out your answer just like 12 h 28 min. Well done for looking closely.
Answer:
11 h 44 min
